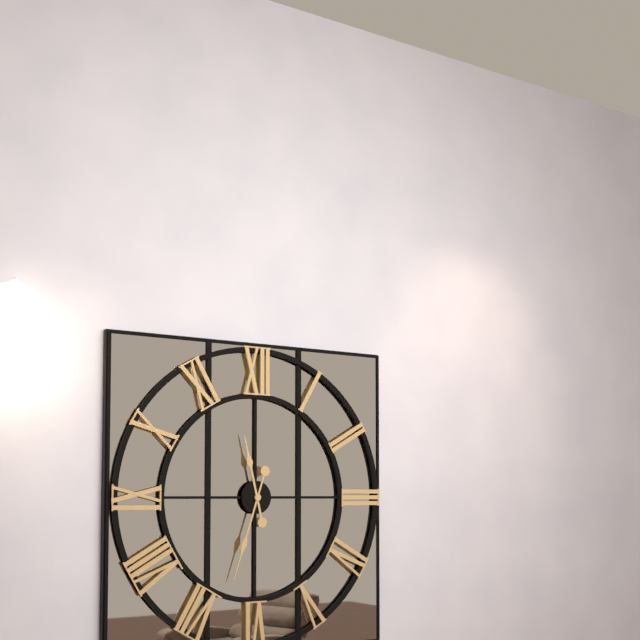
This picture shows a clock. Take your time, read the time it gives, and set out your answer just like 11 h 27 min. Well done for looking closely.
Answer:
11 h 33 min
